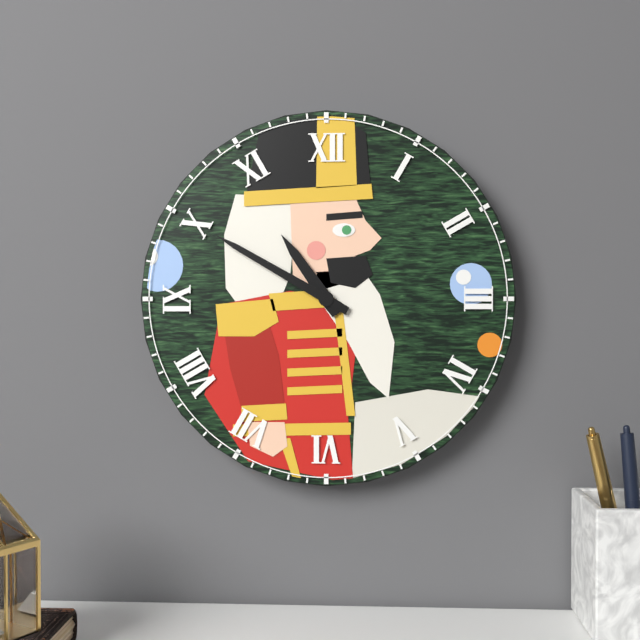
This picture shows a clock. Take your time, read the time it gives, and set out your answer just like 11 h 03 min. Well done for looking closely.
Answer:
10 h 50 min
